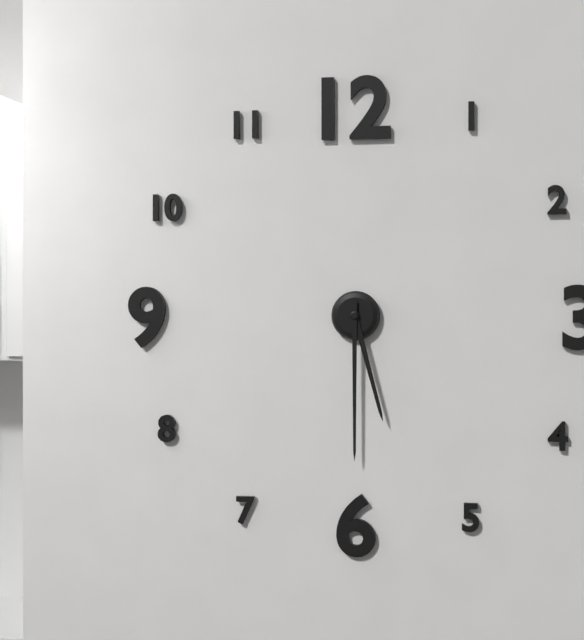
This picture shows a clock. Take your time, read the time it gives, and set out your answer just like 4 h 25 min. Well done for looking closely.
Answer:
5 h 30 min
